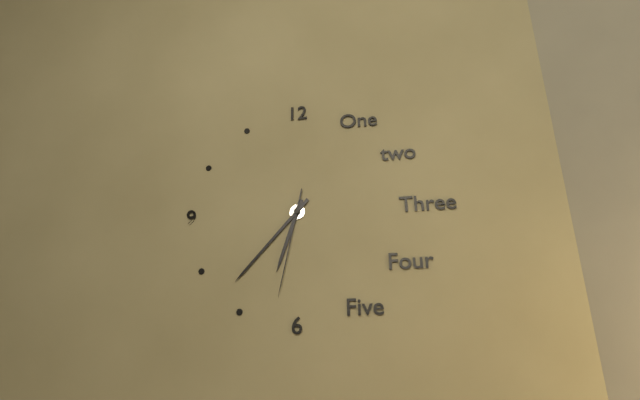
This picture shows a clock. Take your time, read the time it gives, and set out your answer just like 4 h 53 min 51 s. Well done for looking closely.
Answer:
6 h 37 min 32 s
